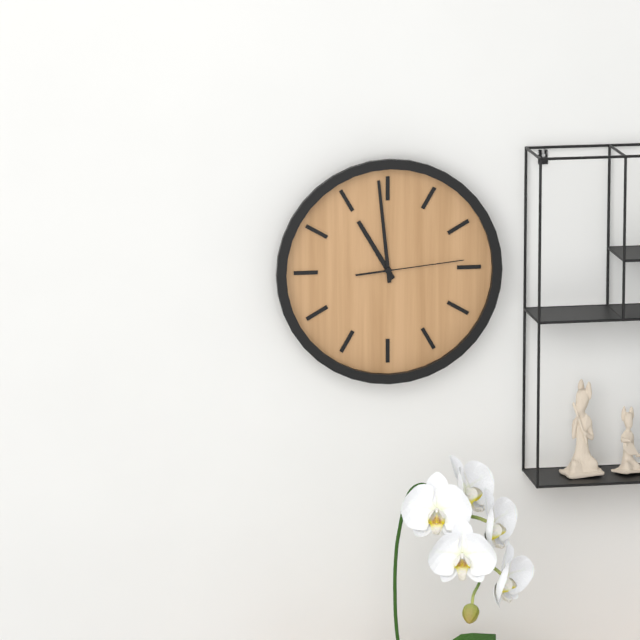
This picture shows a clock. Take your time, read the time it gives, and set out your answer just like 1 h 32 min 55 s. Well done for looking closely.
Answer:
10 h 59 min 14 s
